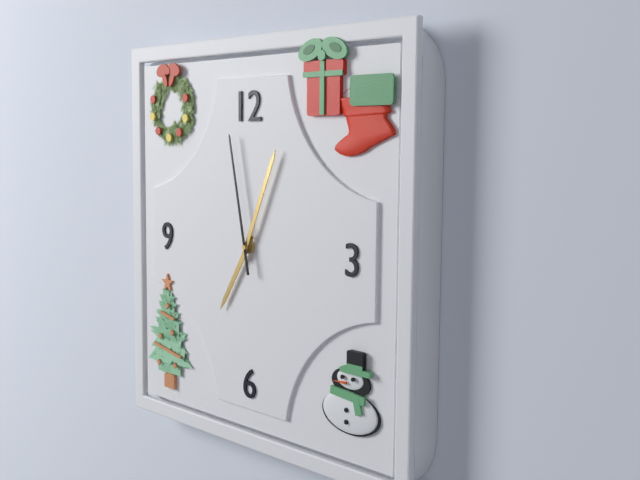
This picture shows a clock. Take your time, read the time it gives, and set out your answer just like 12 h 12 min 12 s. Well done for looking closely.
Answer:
7 h 04 min 58 s
